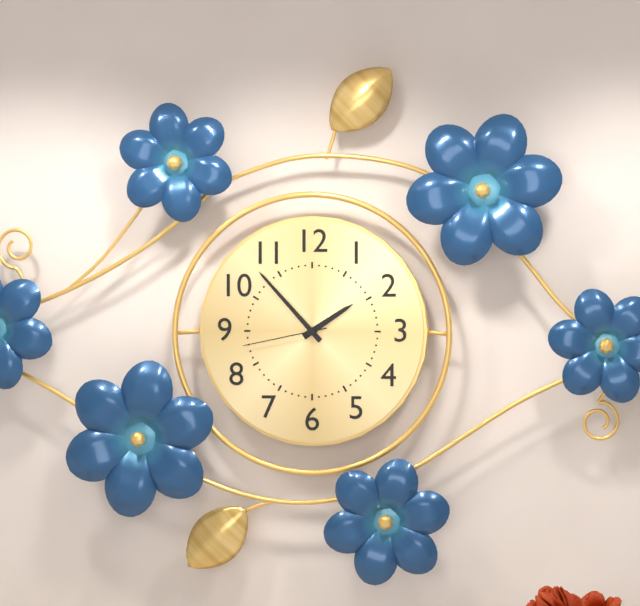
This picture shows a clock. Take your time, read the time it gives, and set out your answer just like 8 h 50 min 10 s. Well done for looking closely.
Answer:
1 h 53 min 43 s
